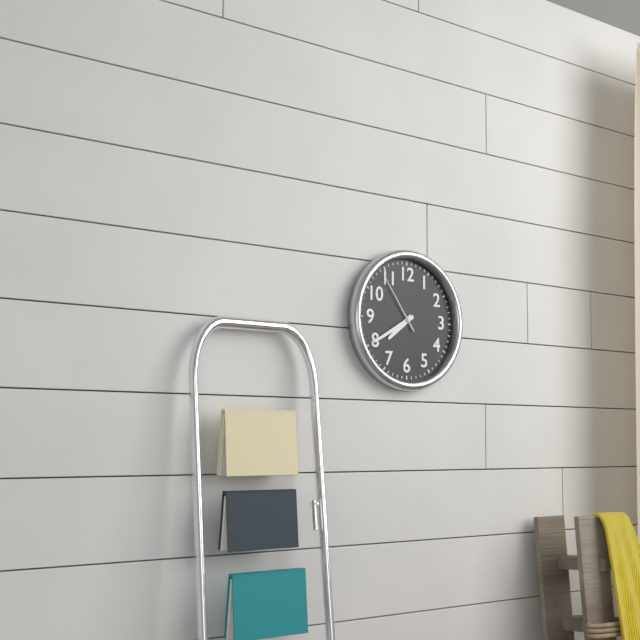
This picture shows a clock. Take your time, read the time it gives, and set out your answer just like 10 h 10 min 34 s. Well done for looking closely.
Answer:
7 h 40 min 54 s
